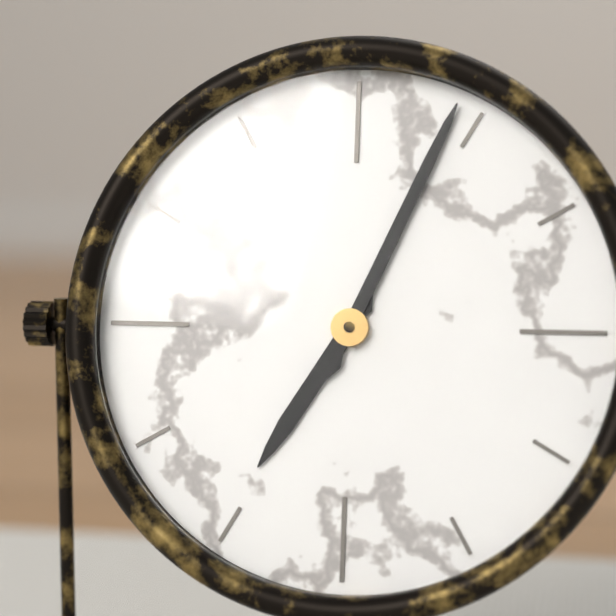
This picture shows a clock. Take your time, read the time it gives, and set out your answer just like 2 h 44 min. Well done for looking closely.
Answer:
7 h 04 min
